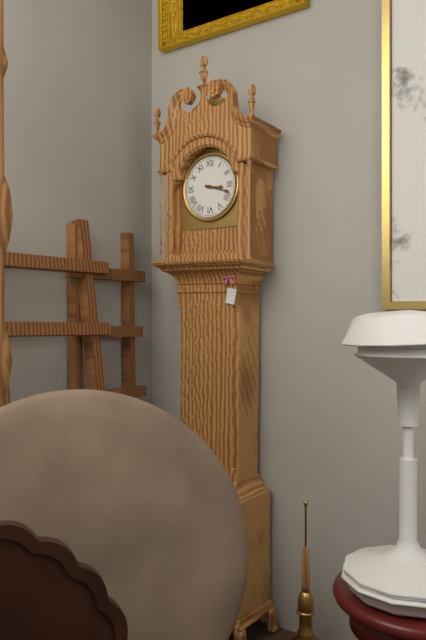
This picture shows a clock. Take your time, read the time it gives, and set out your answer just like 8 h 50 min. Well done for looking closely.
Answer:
3 h 18 min
